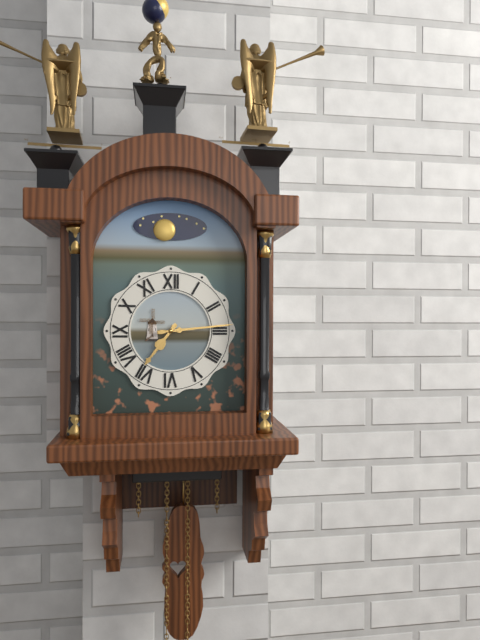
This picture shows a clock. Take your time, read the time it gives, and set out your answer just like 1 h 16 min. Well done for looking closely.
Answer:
7 h 14 min
